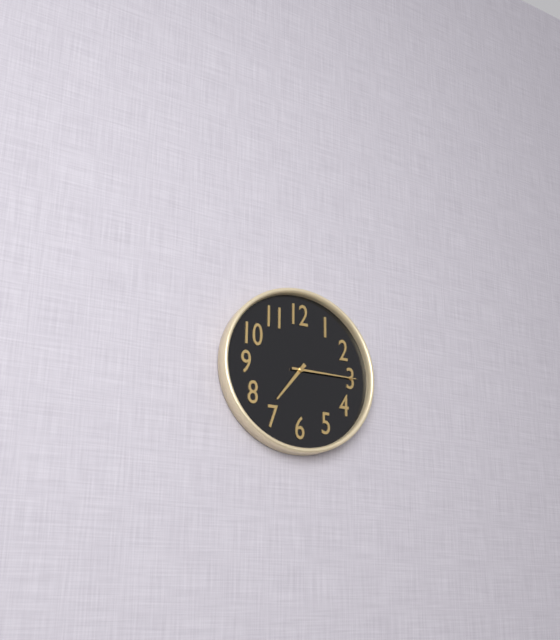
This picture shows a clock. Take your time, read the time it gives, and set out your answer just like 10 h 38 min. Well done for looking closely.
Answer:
7 h 15 min
